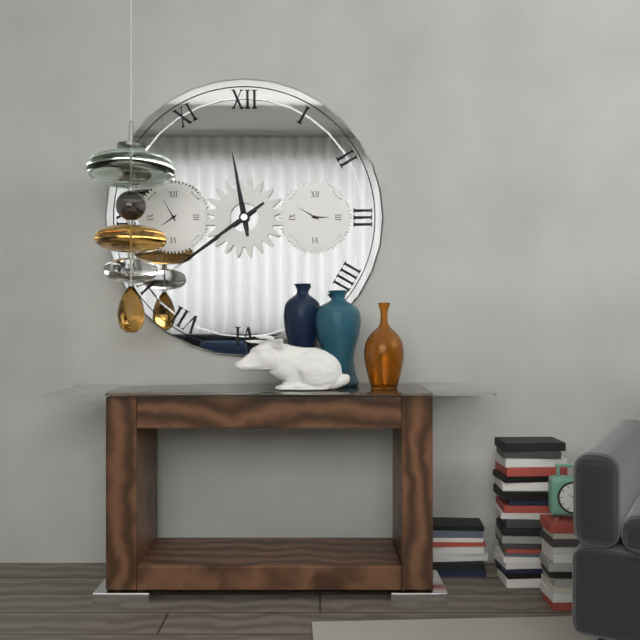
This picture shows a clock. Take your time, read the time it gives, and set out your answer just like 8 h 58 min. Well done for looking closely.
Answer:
11 h 39 min
